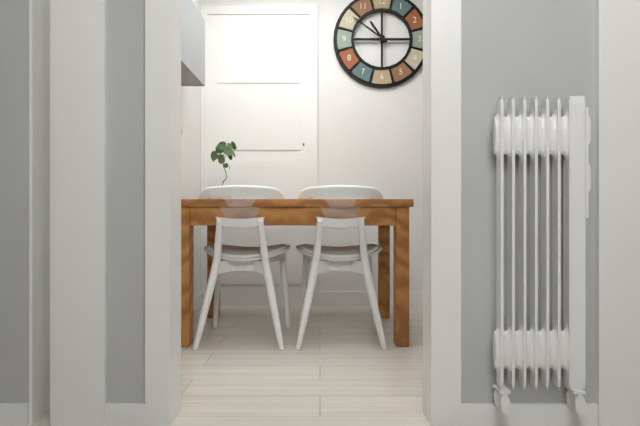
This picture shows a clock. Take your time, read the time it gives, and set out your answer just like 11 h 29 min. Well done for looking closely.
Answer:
10 h 51 min
